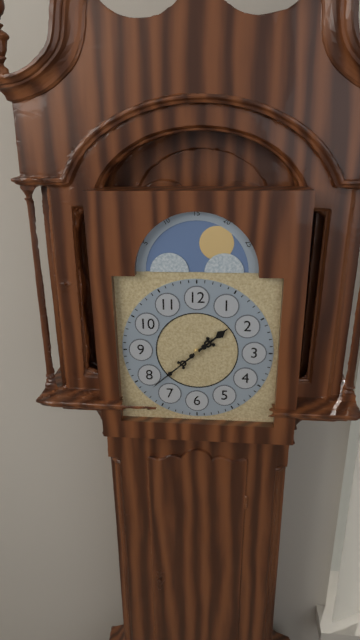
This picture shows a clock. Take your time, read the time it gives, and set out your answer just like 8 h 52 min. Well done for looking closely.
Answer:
1 h 38 min
